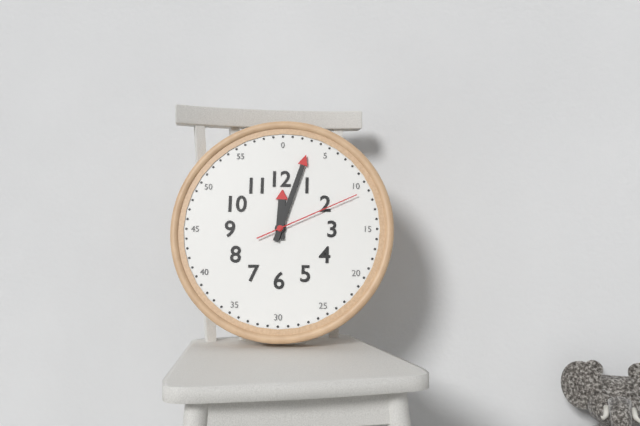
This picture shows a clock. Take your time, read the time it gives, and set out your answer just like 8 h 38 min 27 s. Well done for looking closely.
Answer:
12 h 03 min 11 s
